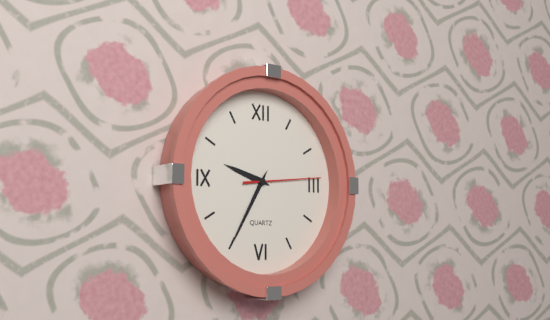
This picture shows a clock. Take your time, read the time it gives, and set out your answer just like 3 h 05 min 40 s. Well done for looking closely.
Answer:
9 h 35 min 14 s
